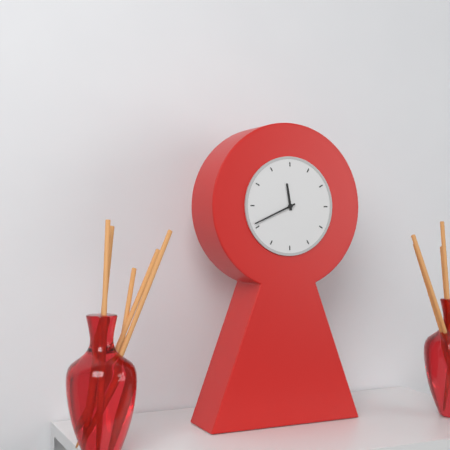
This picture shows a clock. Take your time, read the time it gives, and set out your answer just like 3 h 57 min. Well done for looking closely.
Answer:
11 h 41 min
